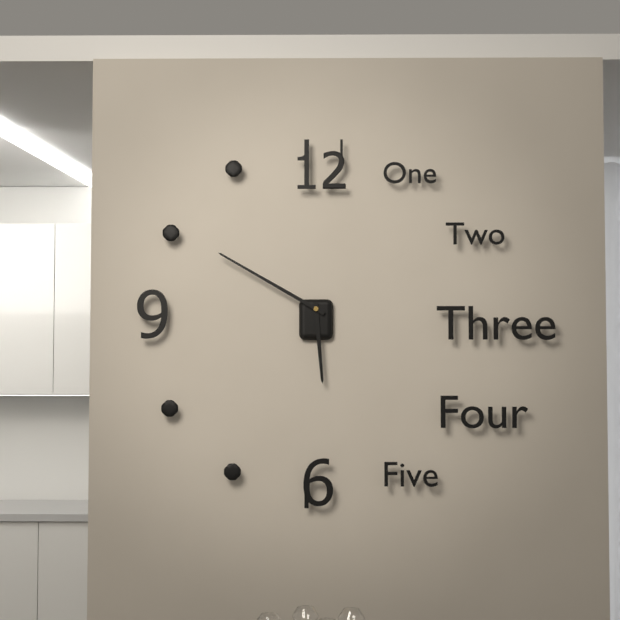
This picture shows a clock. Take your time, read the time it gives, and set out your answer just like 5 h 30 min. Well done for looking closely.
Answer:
5 h 50 min
